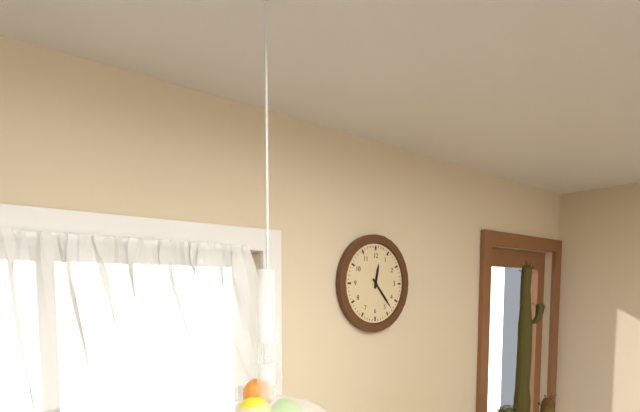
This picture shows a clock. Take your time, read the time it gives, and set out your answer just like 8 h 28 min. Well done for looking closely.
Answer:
12 h 23 min
